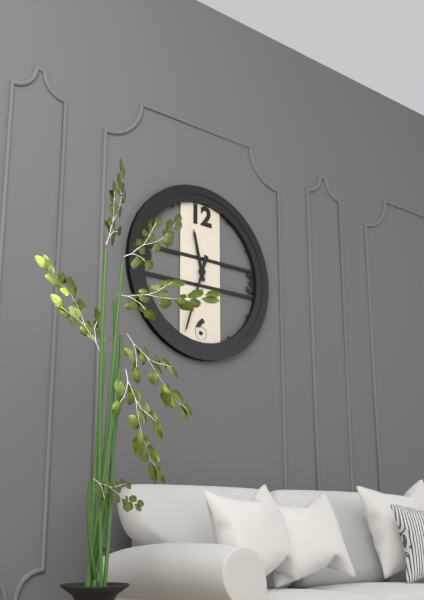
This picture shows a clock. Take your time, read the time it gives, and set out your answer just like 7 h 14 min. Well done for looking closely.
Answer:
11 h 33 min
